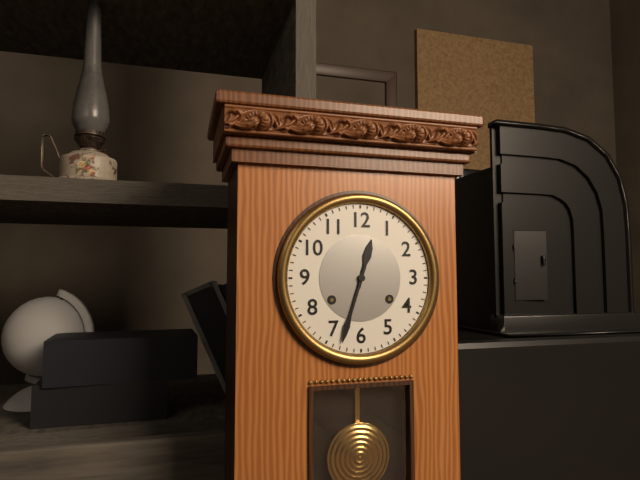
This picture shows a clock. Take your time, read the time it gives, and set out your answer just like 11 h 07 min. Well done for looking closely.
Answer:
12 h 33 min
